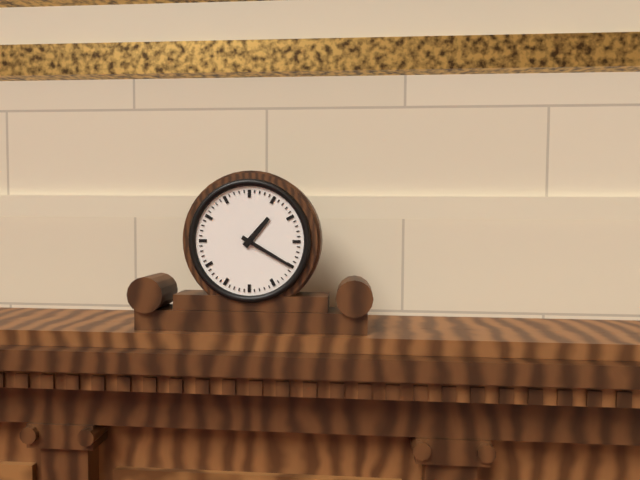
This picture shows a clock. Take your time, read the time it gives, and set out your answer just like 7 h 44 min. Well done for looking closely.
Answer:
1 h 20 min
